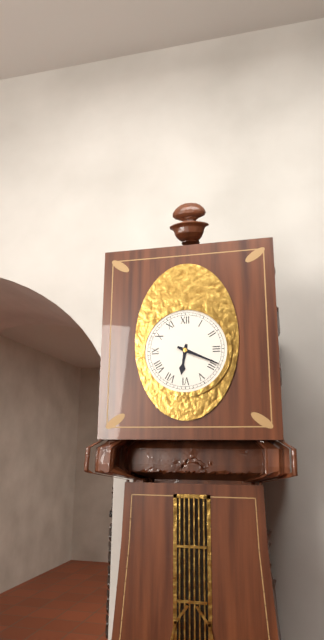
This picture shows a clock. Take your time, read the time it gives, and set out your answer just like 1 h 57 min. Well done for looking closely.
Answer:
6 h 19 min
